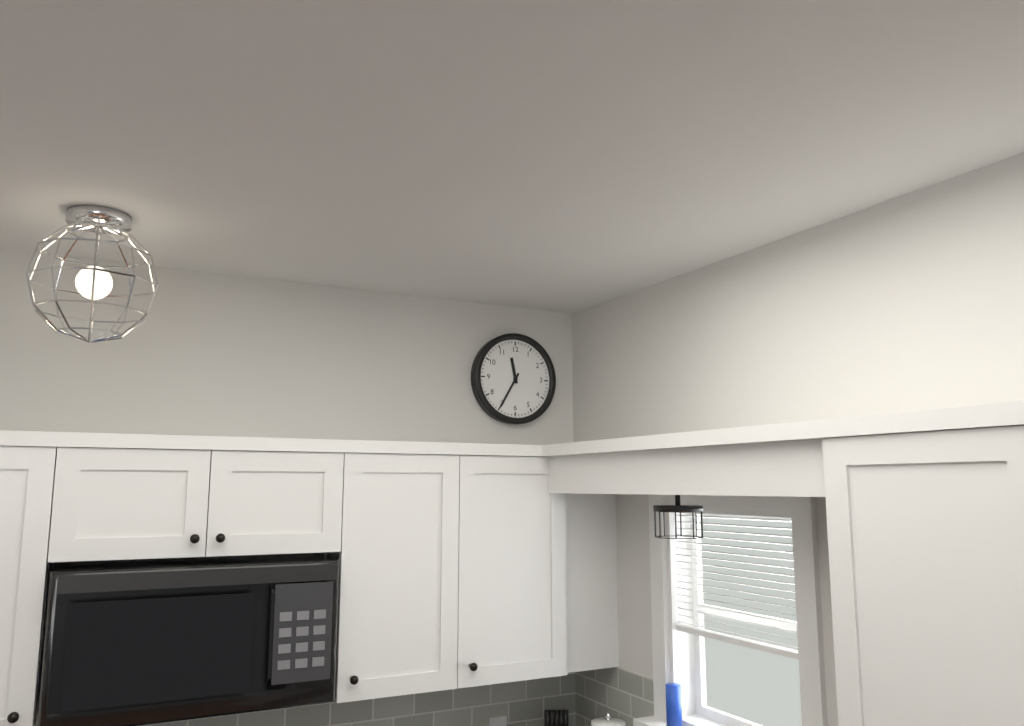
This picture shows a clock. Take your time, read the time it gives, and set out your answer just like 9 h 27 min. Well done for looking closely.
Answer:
11 h 35 min
